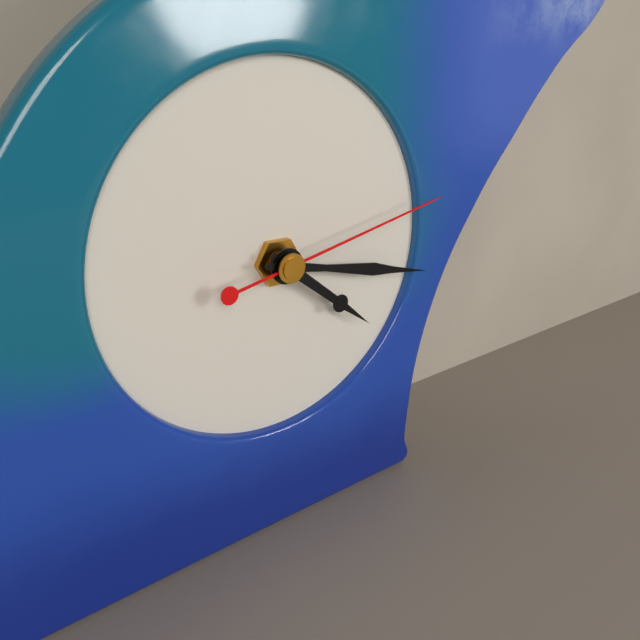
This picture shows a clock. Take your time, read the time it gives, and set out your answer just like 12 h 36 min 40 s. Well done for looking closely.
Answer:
4 h 17 min 13 s
